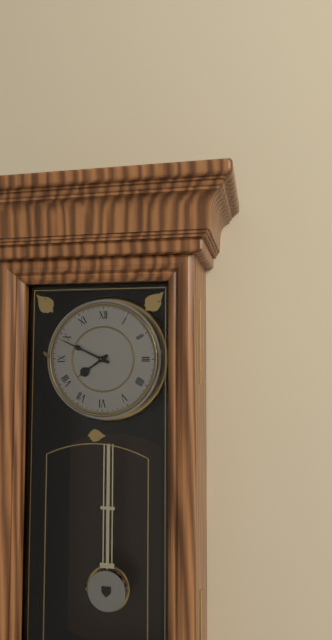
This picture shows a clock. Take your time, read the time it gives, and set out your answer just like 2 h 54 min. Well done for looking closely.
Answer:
7 h 49 min
